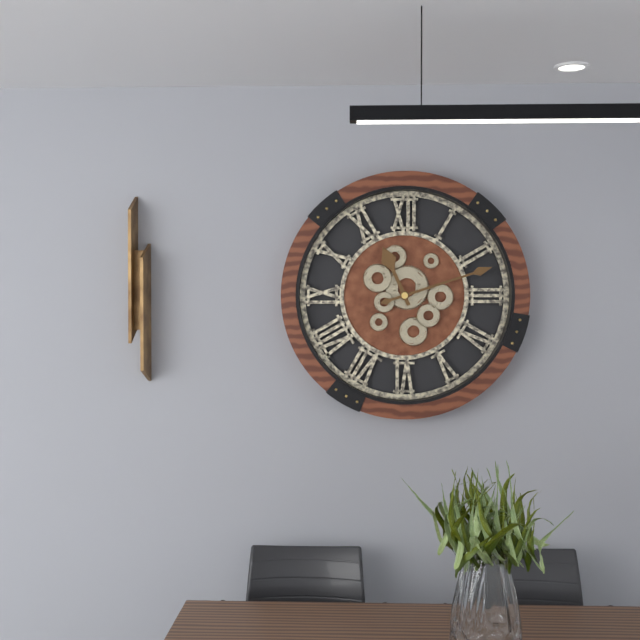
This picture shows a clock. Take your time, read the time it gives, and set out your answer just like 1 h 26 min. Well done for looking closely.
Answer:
11 h 12 min
